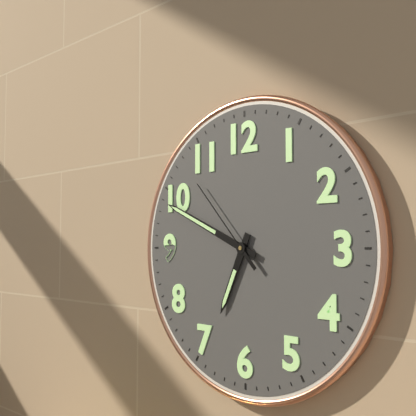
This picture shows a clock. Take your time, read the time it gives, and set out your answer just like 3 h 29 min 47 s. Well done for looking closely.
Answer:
6 h 49 min 53 s
